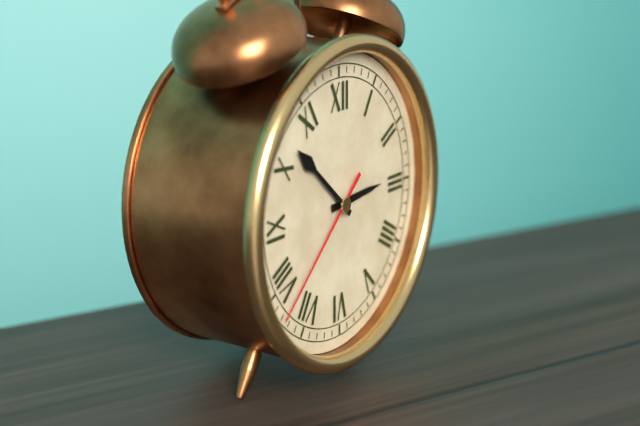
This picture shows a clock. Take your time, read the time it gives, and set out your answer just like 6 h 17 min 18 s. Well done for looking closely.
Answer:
2 h 52 min 38 s
